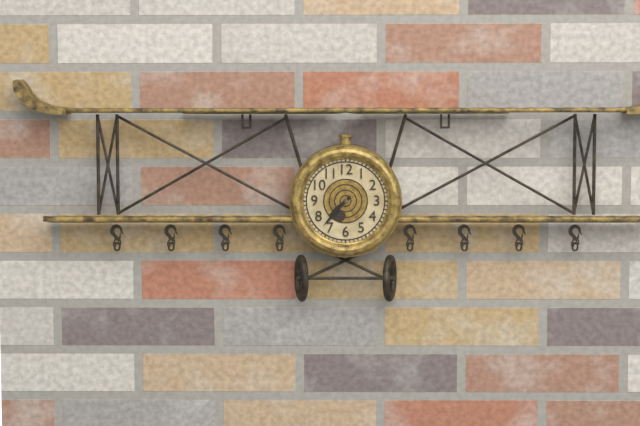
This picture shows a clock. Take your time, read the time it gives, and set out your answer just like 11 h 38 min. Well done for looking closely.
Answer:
7 h 37 min
